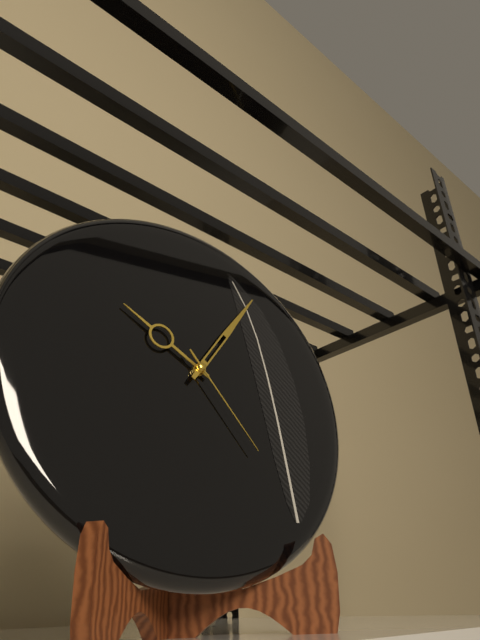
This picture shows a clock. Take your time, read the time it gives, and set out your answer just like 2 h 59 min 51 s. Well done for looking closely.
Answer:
10 h 06 min 24 s
